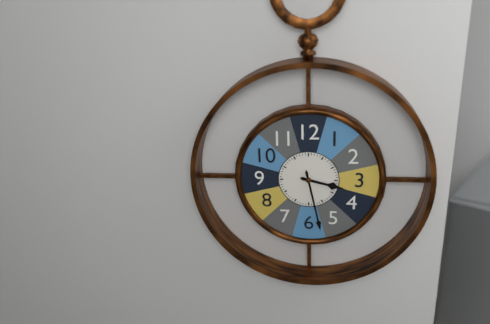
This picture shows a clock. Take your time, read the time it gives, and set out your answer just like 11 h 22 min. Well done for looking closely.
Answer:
3 h 28 min
